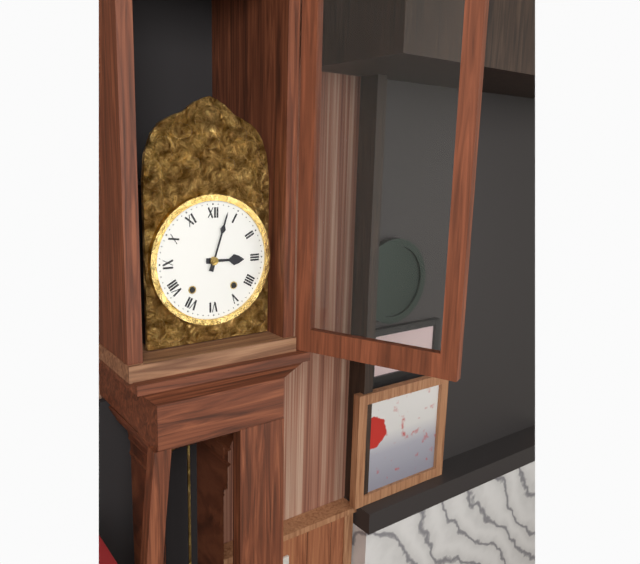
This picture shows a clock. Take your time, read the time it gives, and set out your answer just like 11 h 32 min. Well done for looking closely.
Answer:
3 h 03 min
